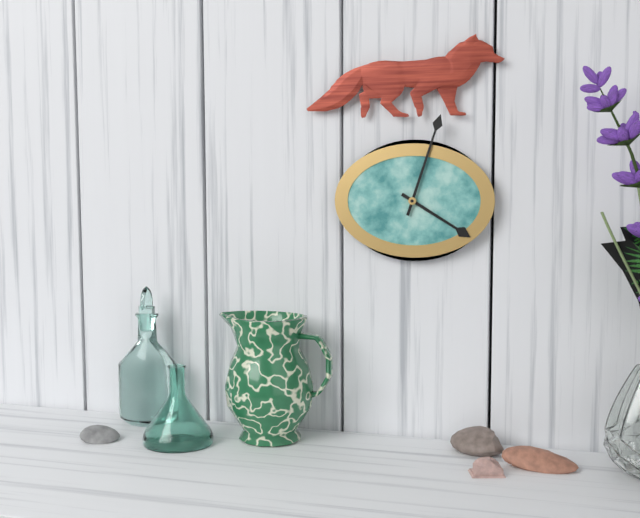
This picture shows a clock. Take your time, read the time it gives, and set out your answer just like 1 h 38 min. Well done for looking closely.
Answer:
4 h 03 min
